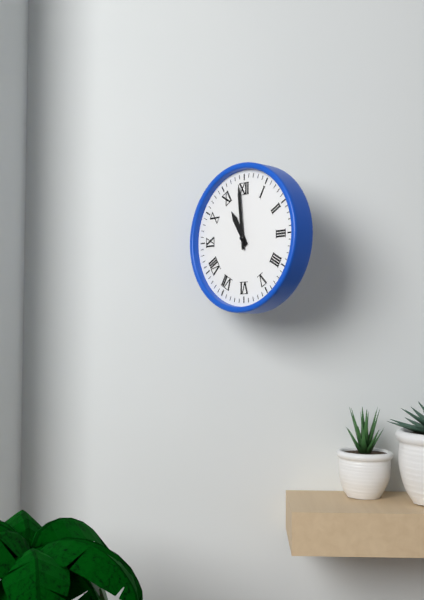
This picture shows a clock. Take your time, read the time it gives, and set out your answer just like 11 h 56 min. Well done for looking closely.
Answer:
10 h 59 min
